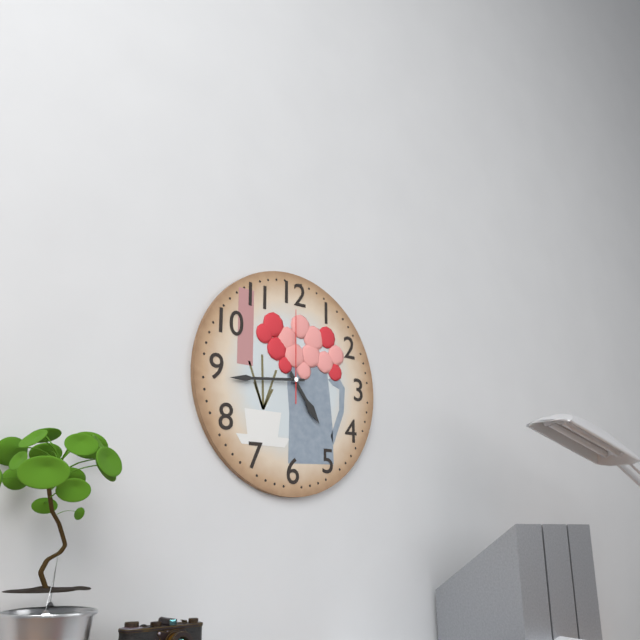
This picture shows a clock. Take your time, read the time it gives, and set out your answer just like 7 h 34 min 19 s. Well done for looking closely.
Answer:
4 h 44 min 00 s
